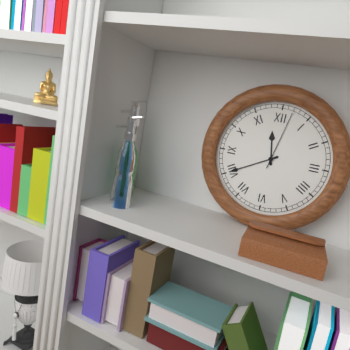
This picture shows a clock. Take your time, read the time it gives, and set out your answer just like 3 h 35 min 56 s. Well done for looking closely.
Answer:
11 h 40 min 02 s
